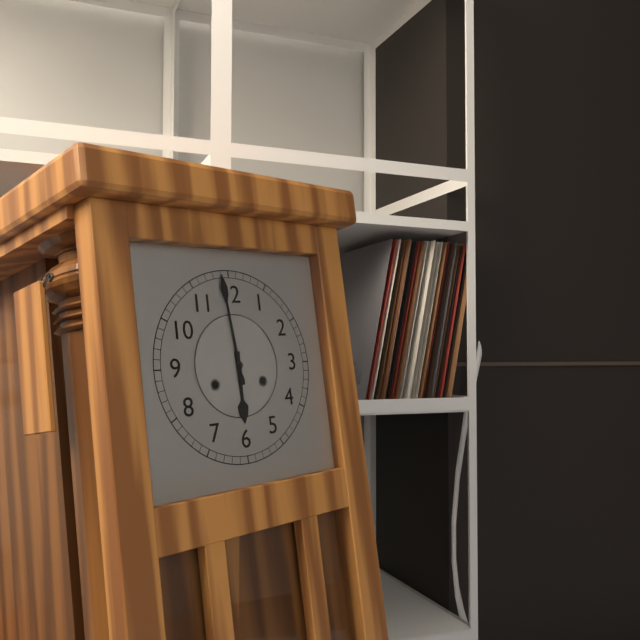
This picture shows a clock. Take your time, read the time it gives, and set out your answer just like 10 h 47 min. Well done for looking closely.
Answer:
5 h 59 min
